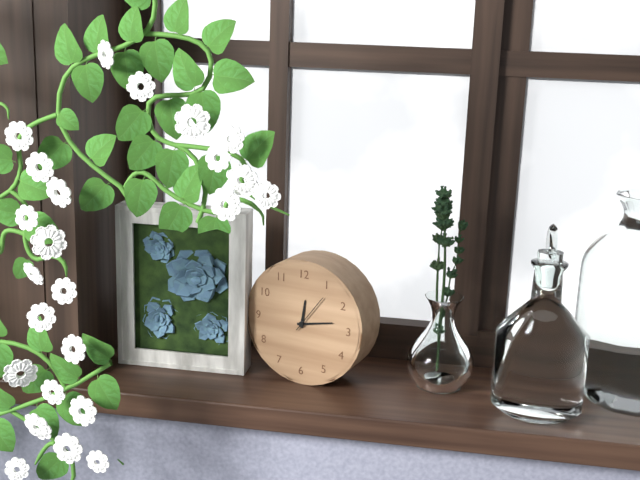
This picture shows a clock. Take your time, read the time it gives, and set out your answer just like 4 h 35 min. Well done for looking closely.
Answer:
12 h 13 min
